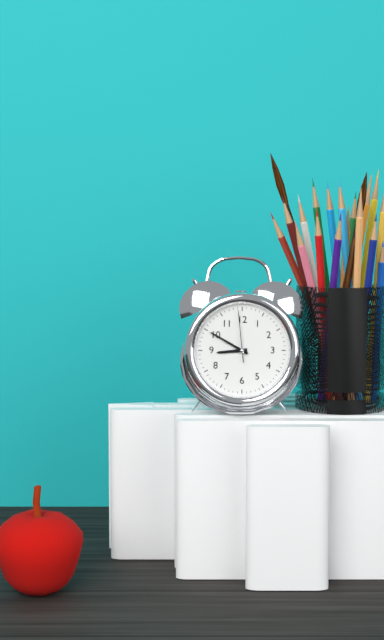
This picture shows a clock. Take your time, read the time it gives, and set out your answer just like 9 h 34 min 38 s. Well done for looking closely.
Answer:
8 h 50 min 59 s
